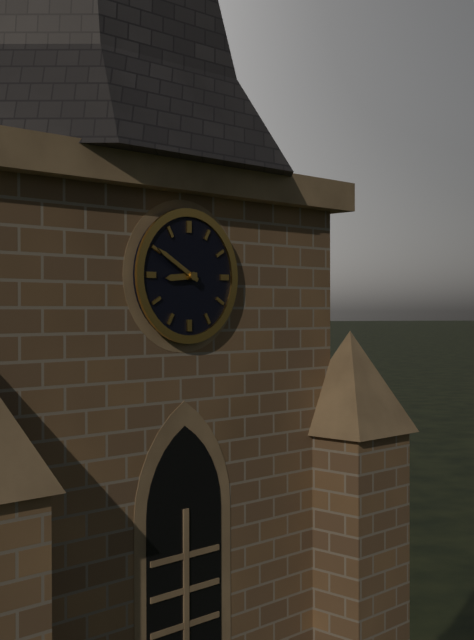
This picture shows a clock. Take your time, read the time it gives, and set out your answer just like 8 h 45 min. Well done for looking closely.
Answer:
8 h 50 min
